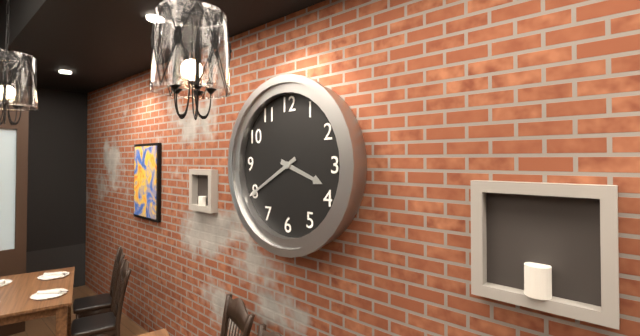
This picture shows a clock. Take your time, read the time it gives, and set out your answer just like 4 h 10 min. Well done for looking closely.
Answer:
3 h 40 min
